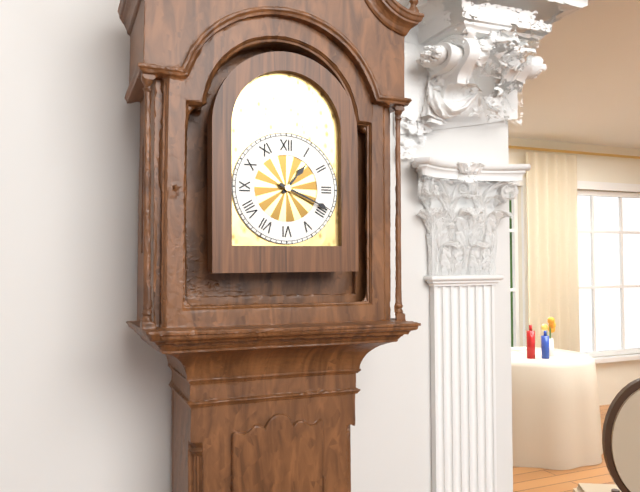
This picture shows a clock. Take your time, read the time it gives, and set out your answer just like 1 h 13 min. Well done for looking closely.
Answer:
1 h 19 min
